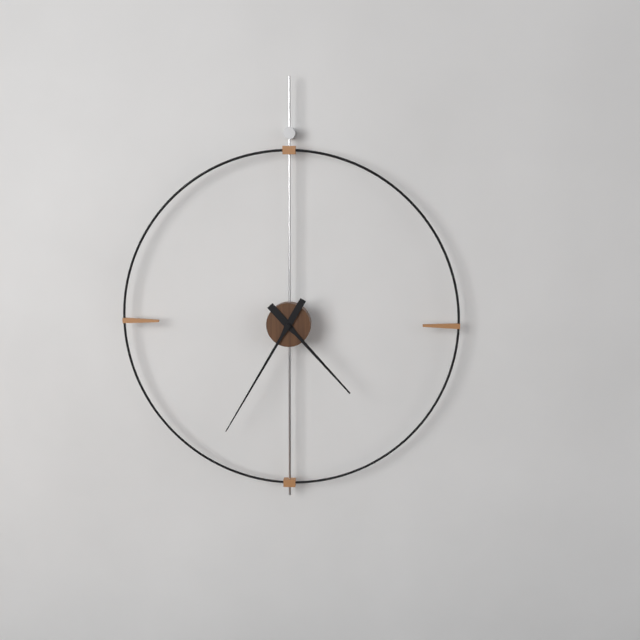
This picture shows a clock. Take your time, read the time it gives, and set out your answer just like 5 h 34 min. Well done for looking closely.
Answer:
4 h 35 min
